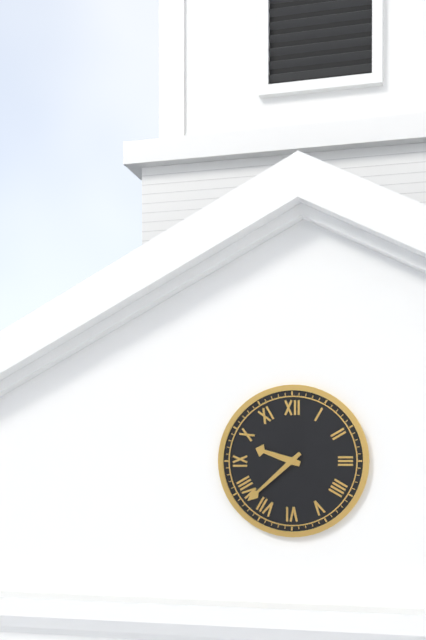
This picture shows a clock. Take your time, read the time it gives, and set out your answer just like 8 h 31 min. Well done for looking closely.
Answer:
9 h 38 min
